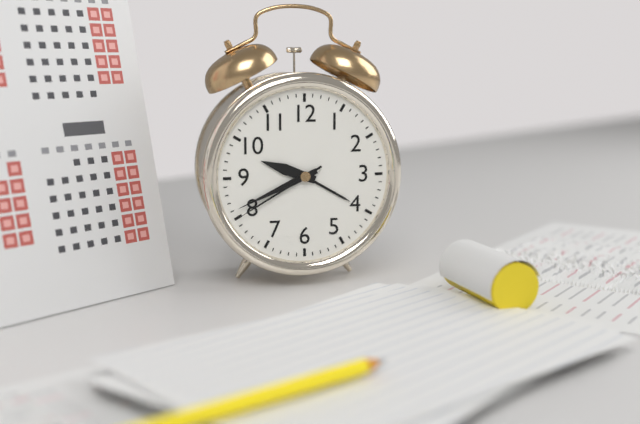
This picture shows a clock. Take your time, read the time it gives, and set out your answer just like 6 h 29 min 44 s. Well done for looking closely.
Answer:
9 h 41 min 40 s
